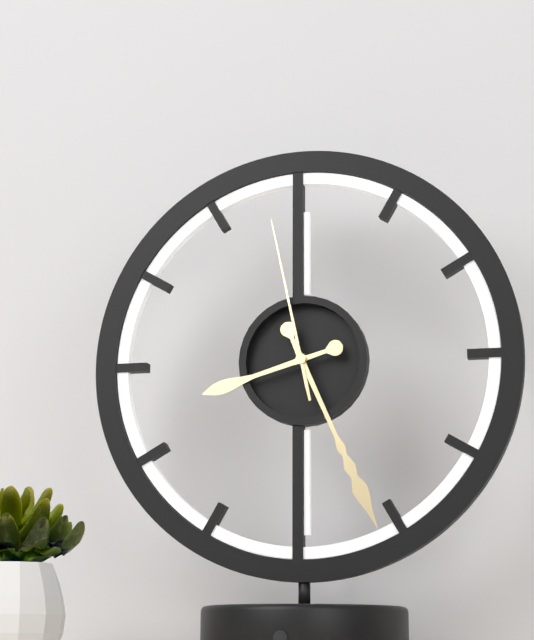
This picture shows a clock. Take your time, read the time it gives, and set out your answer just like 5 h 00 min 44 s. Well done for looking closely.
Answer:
8 h 26 min 58 s
